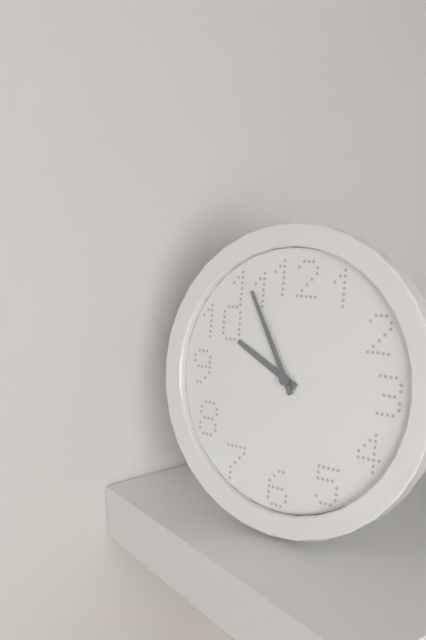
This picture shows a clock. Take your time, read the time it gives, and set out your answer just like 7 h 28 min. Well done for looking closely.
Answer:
9 h 55 min
